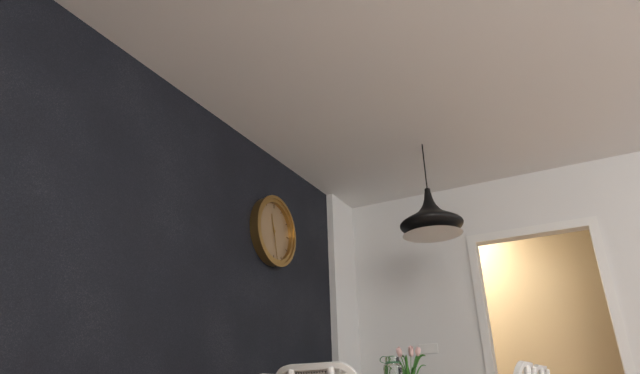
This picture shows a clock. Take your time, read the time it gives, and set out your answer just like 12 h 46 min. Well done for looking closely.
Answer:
11 h 28 min
